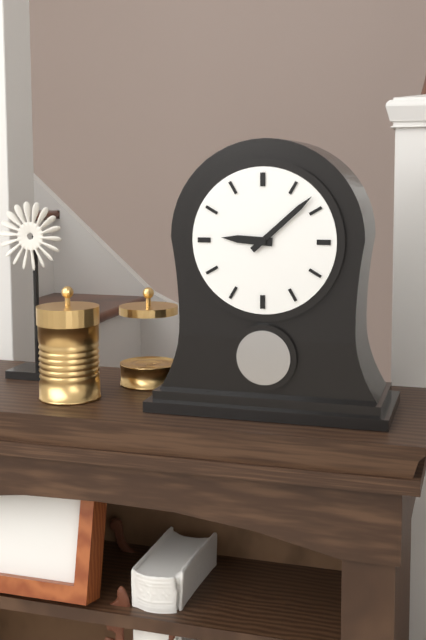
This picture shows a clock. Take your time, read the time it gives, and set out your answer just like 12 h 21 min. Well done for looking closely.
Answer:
9 h 08 min
